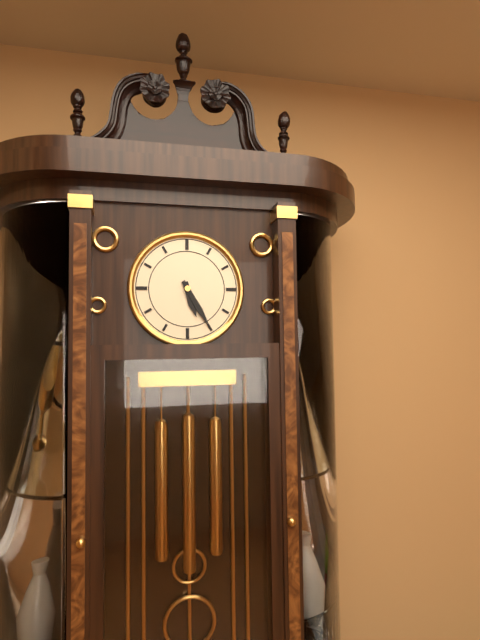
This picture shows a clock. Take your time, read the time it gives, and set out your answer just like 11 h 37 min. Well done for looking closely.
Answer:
5 h 25 min
